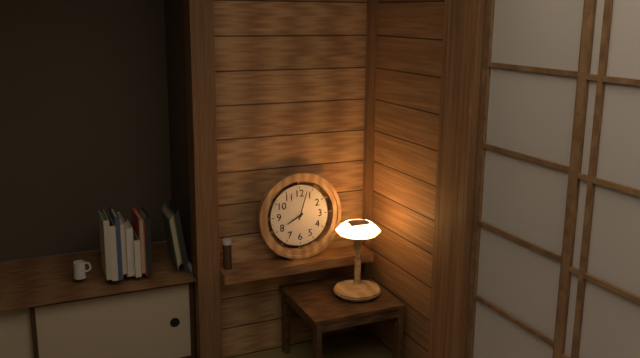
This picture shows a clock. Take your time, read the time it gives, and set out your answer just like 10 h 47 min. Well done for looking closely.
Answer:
8 h 03 min
